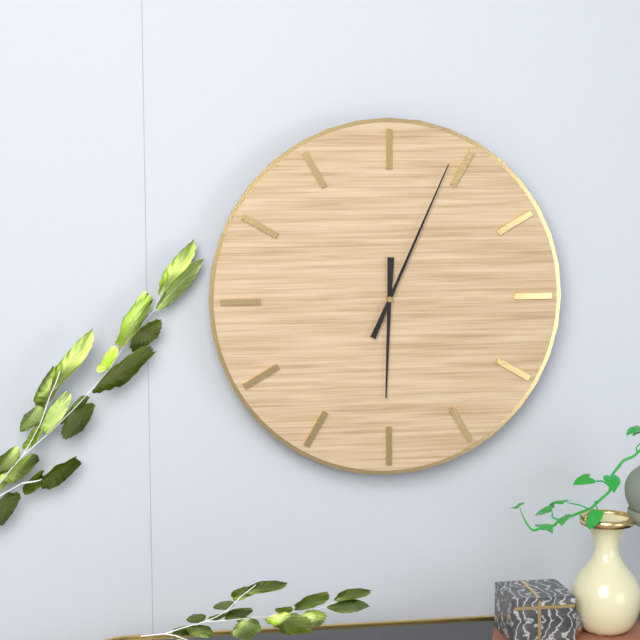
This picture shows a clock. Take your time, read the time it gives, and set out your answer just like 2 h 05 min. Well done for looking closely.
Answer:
6 h 04 min
